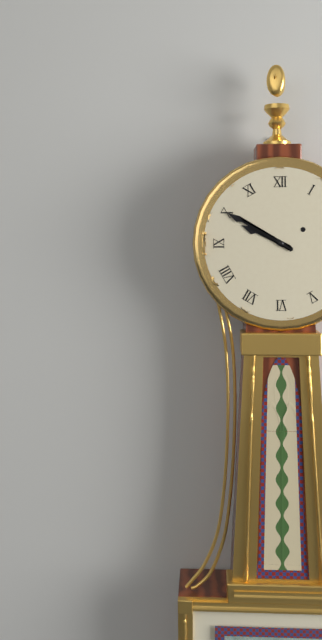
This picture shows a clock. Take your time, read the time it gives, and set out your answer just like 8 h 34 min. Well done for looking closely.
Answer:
9 h 50 min
